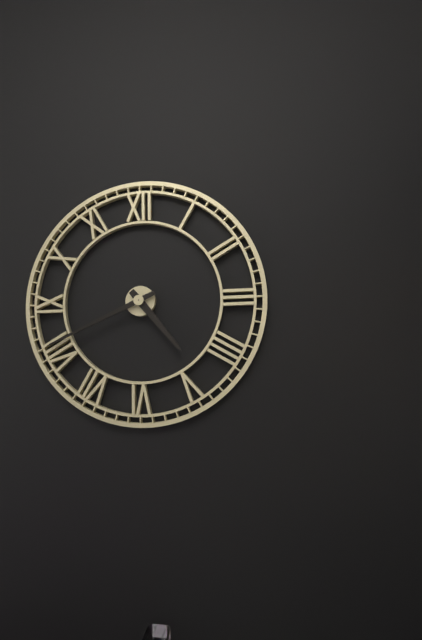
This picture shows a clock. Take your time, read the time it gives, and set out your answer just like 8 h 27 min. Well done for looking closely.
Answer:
4 h 41 min
